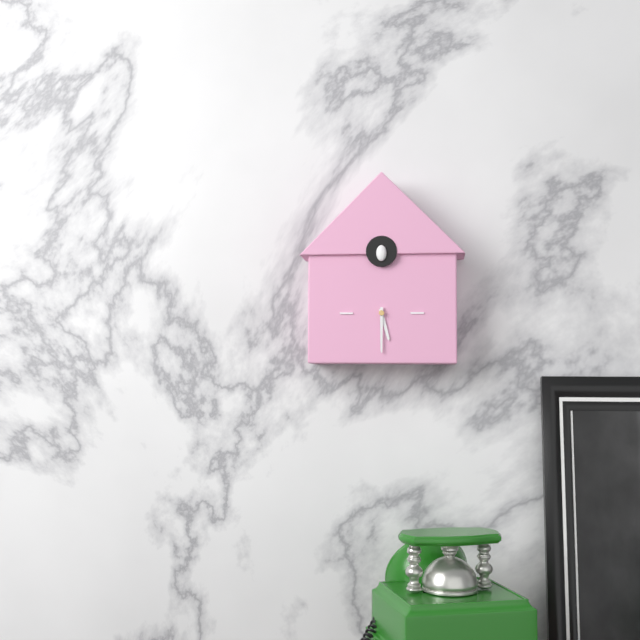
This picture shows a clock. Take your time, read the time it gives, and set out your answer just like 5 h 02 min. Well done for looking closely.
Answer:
5 h 30 min
